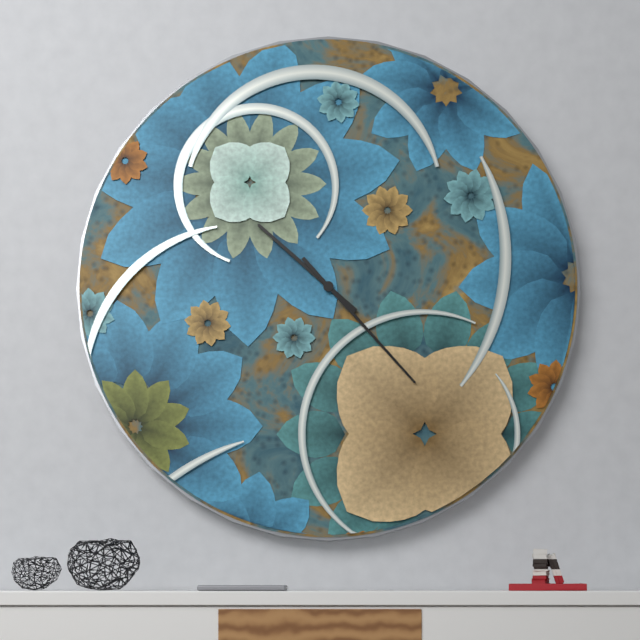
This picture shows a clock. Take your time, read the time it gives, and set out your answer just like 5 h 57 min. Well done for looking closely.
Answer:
10 h 23 min
